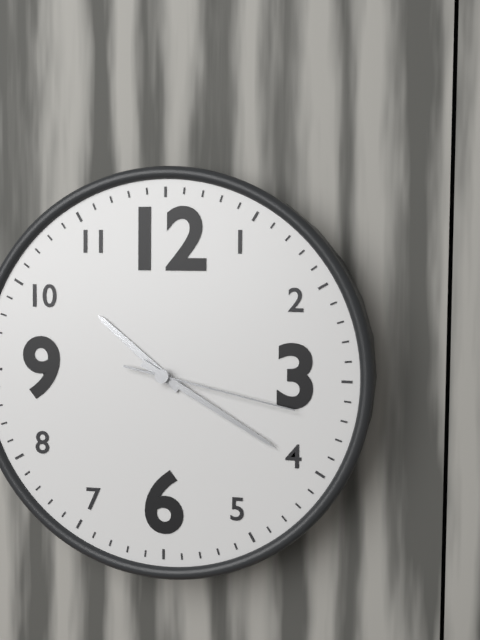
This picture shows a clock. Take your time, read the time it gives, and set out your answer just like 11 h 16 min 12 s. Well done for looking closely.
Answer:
10 h 20 min 17 s
